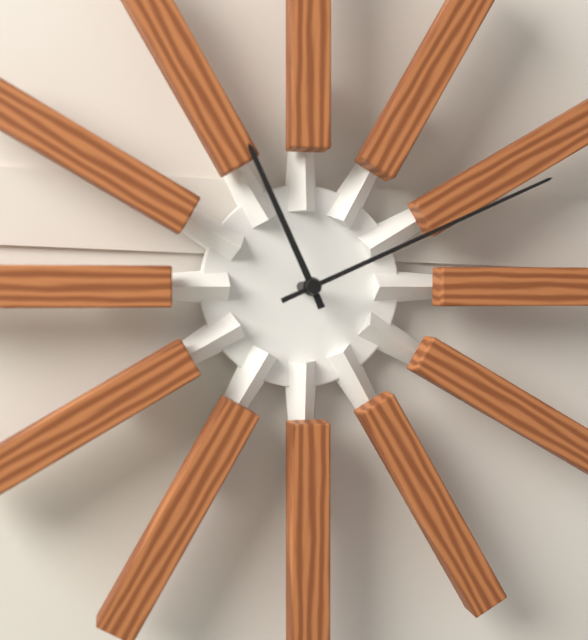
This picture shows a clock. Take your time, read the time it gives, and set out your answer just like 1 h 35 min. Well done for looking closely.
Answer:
11 h 11 min
